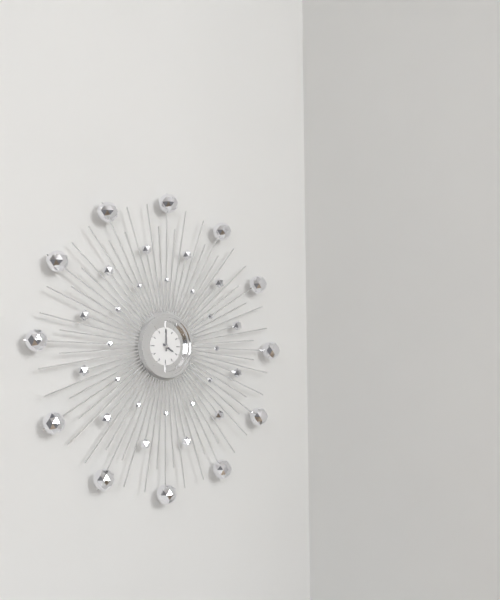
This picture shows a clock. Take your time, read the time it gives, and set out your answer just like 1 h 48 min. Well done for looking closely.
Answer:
4 h 00 min
